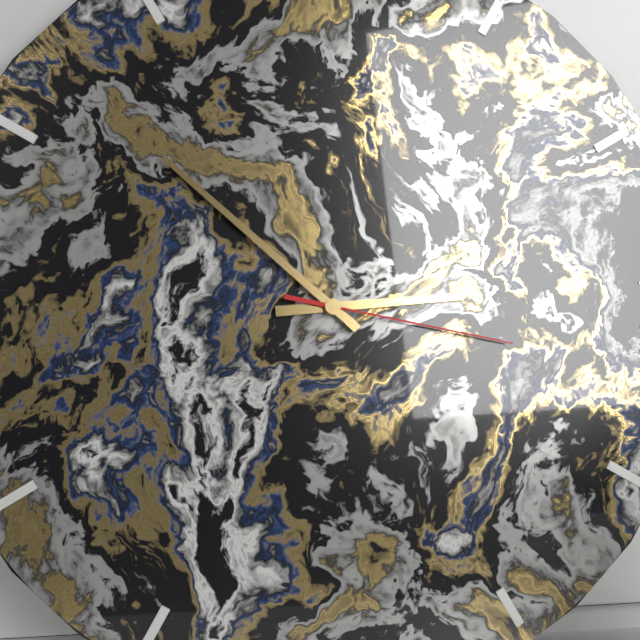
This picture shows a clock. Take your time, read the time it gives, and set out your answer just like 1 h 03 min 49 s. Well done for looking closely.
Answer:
2 h 52 min 17 s
